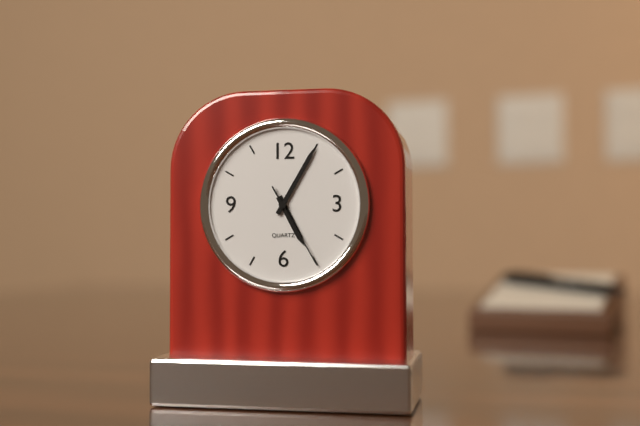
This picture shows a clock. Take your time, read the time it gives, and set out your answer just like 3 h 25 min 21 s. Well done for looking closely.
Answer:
5 h 05 min 25 s
